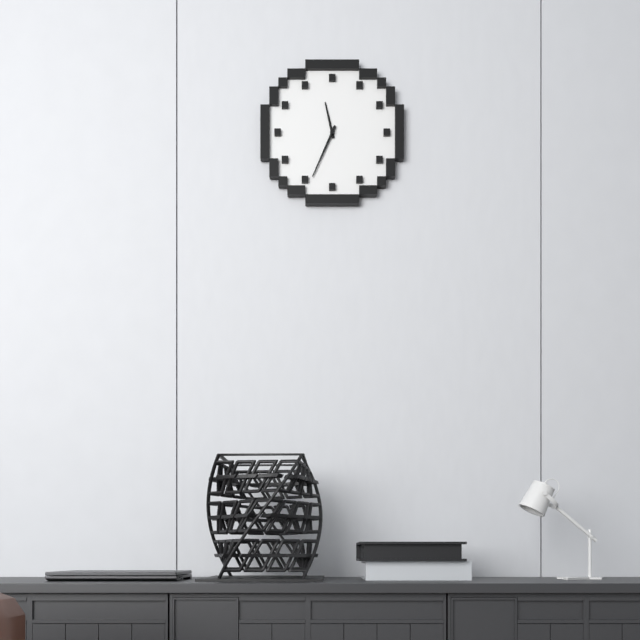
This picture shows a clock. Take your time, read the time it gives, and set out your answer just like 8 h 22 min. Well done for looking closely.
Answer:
11 h 34 min
